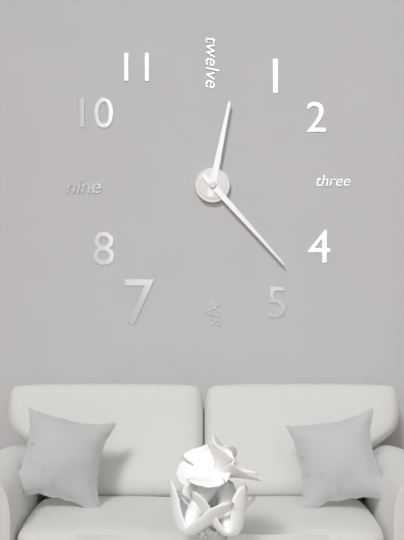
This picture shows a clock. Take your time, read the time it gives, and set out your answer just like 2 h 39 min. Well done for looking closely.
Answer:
12 h 23 min
